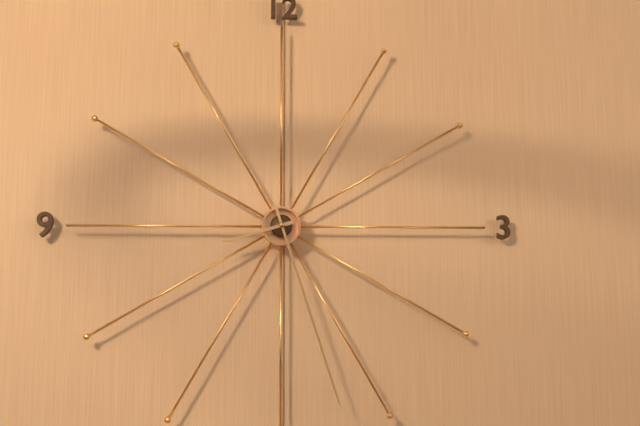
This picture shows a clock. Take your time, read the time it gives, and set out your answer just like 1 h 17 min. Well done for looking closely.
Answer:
8 h 27 min
